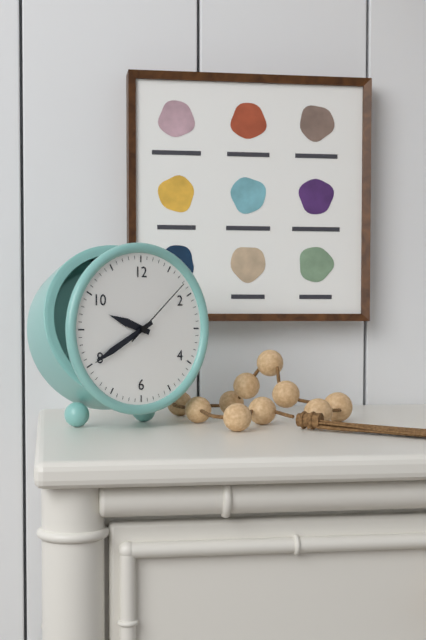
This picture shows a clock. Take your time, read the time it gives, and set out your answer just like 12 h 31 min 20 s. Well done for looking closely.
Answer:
9 h 40 min 08 s
